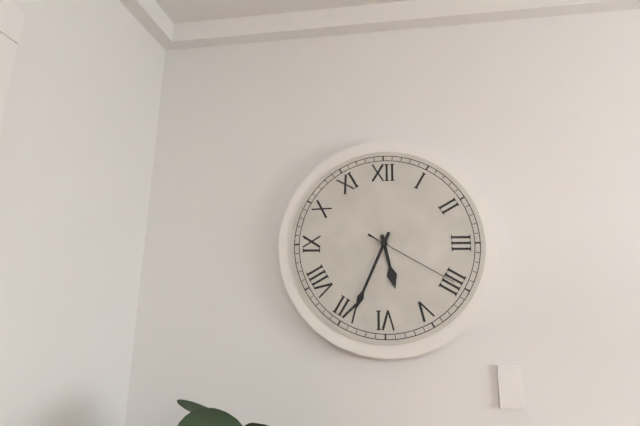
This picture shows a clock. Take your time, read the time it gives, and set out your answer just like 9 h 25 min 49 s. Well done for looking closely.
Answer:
5 h 34 min 20 s
